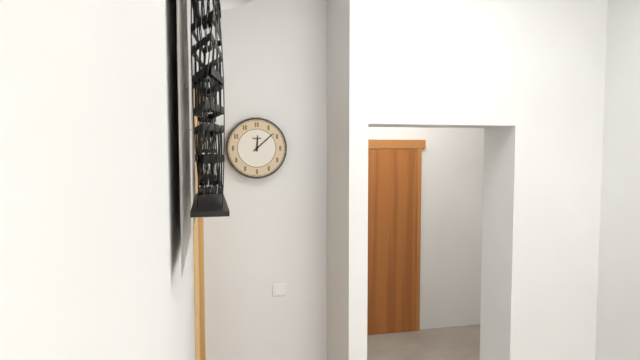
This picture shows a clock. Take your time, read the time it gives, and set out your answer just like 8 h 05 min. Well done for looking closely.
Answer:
12 h 08 min
